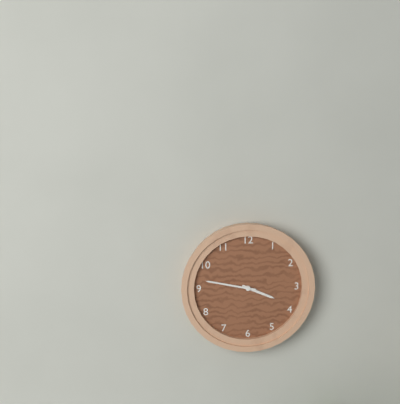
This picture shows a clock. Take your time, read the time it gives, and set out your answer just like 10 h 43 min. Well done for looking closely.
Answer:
3 h 47 min
